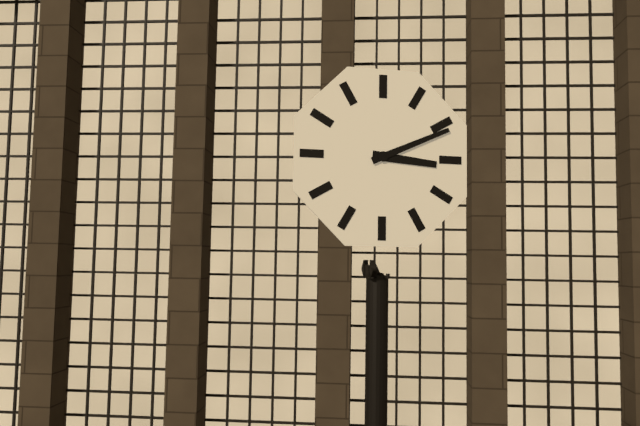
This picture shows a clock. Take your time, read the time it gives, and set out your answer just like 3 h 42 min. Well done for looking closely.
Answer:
3 h 11 min
